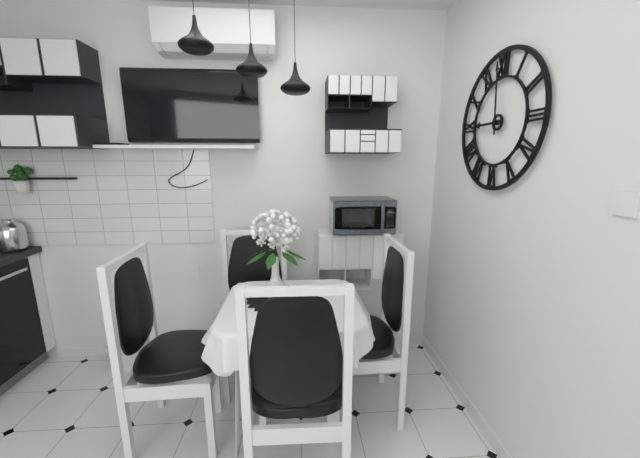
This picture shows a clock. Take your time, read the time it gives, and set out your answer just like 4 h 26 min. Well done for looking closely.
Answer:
8 h 59 min
